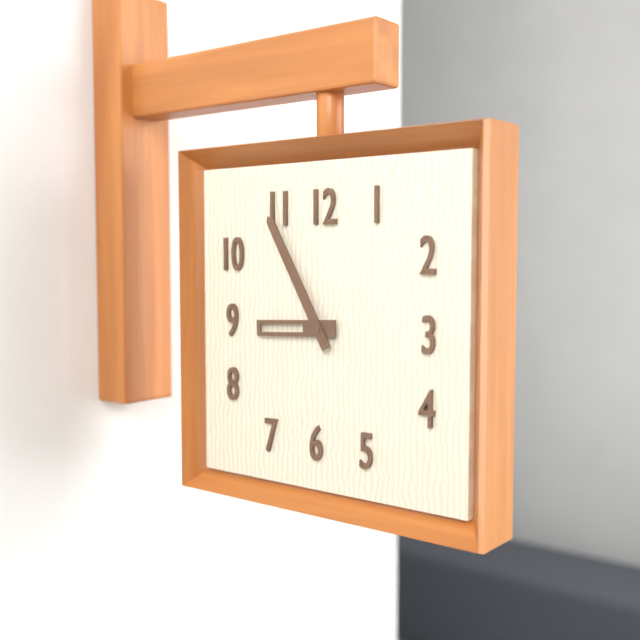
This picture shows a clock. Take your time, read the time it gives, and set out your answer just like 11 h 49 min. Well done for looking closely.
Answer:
8 h 55 min
